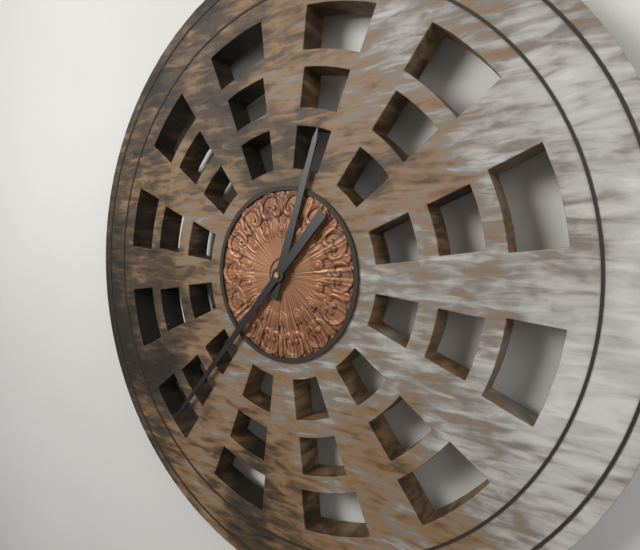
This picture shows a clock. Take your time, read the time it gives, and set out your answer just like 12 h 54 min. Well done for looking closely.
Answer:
12 h 37 min
